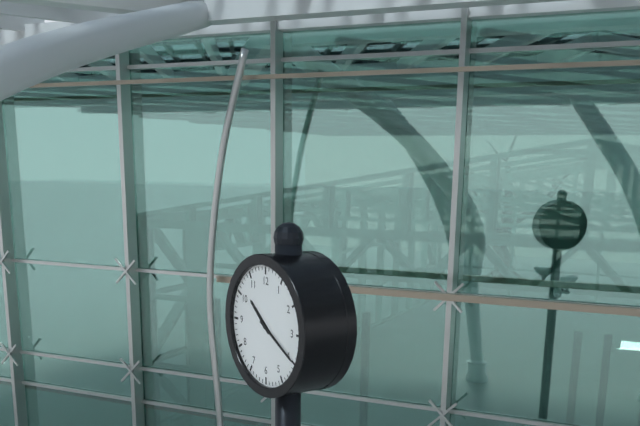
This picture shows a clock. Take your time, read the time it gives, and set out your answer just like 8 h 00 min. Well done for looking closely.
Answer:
10 h 20 min
